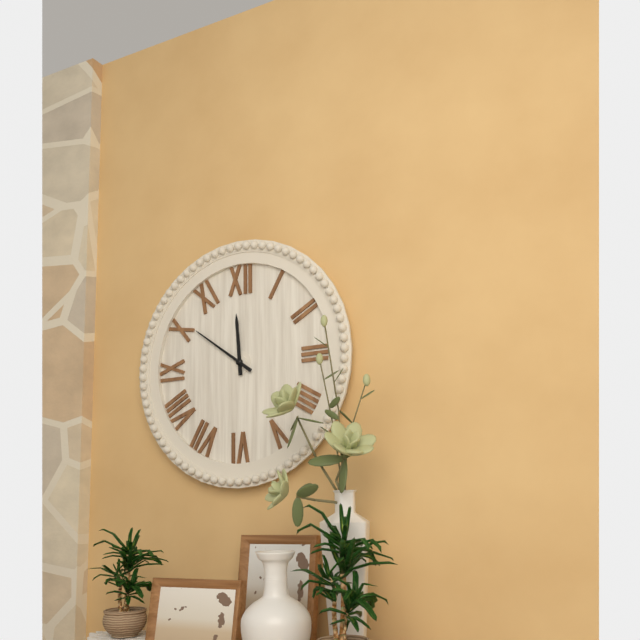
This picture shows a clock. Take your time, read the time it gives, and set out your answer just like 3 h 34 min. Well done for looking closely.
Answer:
11 h 51 min
